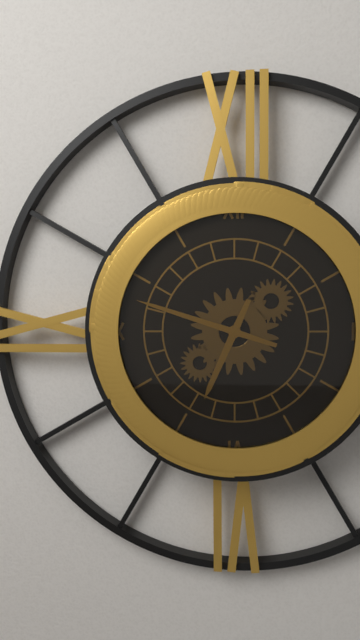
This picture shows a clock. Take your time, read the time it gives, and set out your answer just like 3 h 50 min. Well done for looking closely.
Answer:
6 h 48 min
